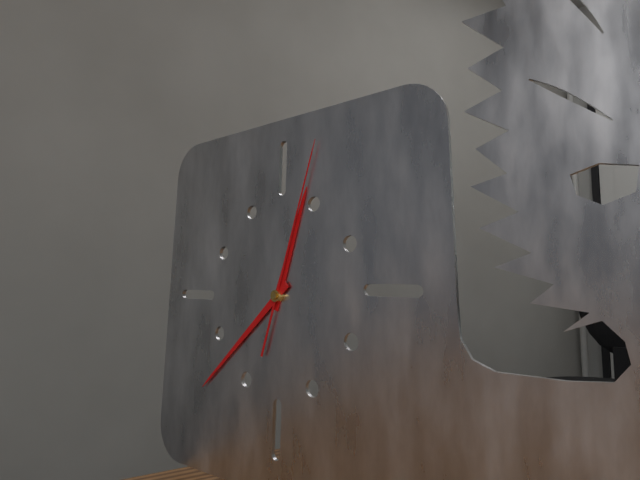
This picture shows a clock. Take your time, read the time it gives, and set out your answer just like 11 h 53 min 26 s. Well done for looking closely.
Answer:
12 h 38 min 03 s
